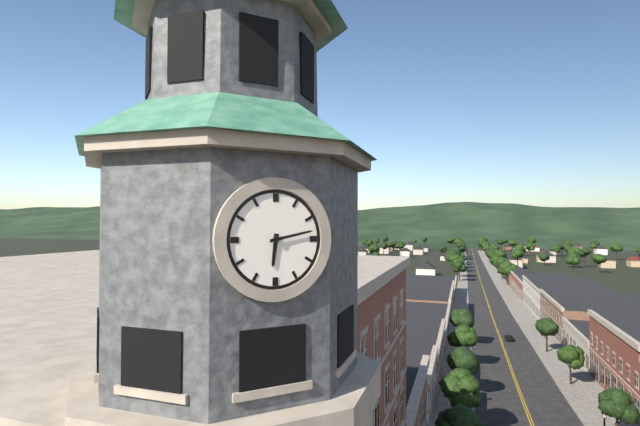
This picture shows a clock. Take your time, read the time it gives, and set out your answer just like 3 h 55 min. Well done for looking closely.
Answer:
6 h 13 min
